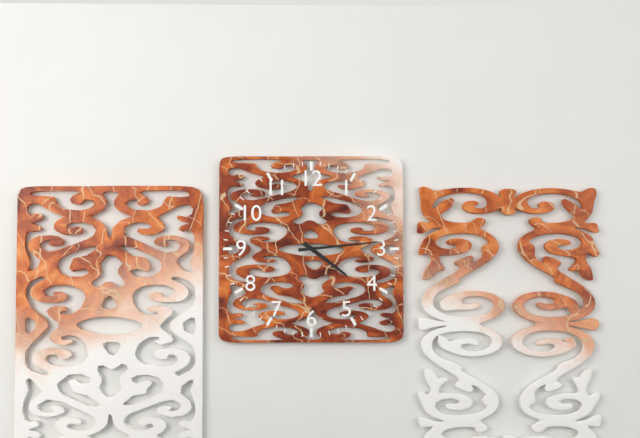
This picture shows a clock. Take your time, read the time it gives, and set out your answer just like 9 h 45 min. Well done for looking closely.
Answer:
4 h 14 min
